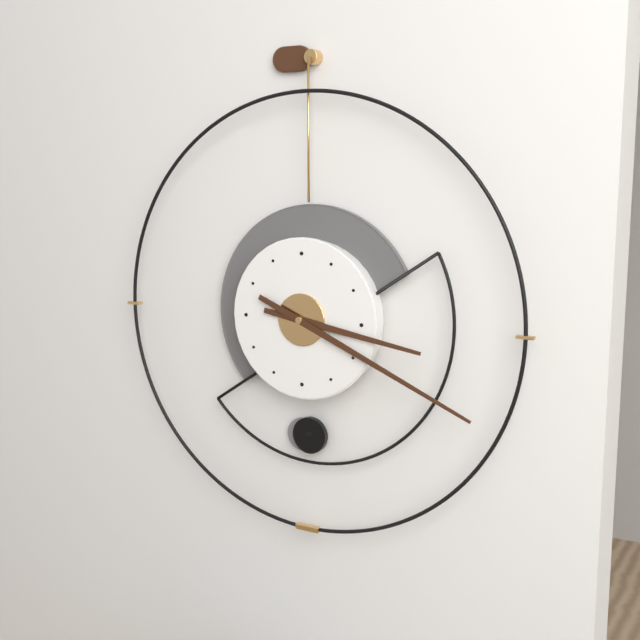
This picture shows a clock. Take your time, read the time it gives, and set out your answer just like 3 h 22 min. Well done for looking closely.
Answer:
3 h 19 min
